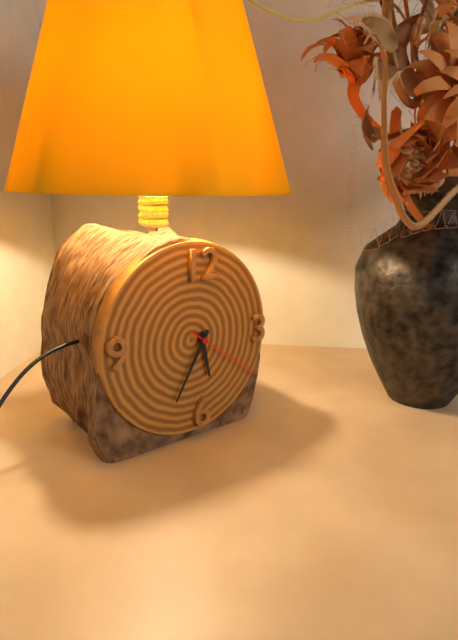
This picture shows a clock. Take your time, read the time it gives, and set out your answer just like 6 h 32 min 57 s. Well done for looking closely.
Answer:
5 h 35 min 21 s
